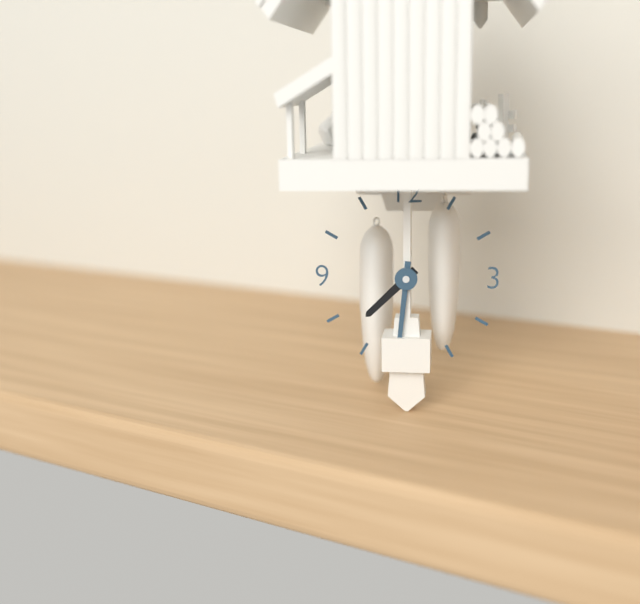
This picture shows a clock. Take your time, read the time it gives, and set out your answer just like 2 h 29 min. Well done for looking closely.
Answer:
7 h 31 min
